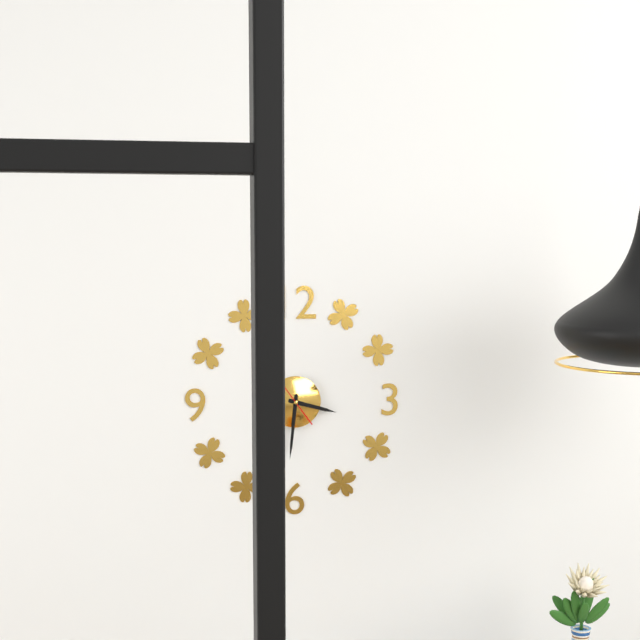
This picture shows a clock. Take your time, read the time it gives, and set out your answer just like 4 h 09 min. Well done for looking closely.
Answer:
3 h 31 min
